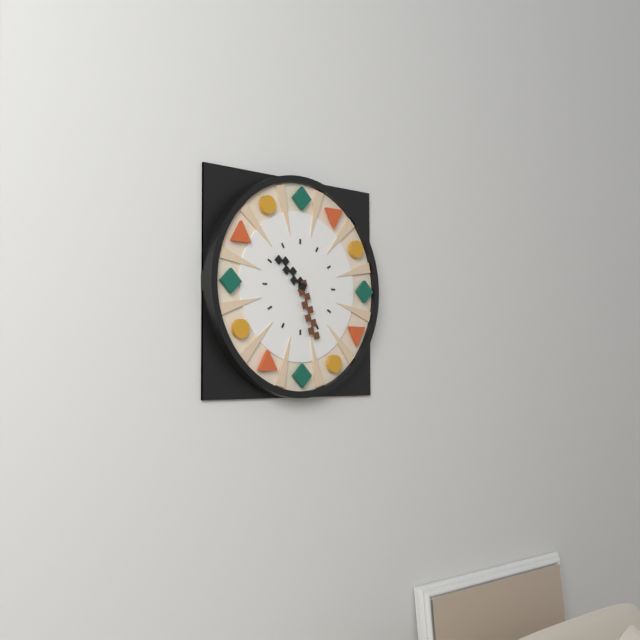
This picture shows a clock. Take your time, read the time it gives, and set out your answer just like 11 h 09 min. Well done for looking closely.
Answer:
10 h 27 min
